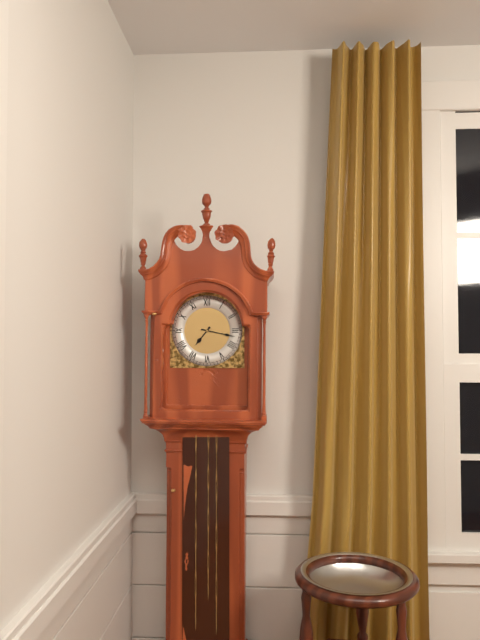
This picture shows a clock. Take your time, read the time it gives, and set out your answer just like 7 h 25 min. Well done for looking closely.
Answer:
7 h 17 min
